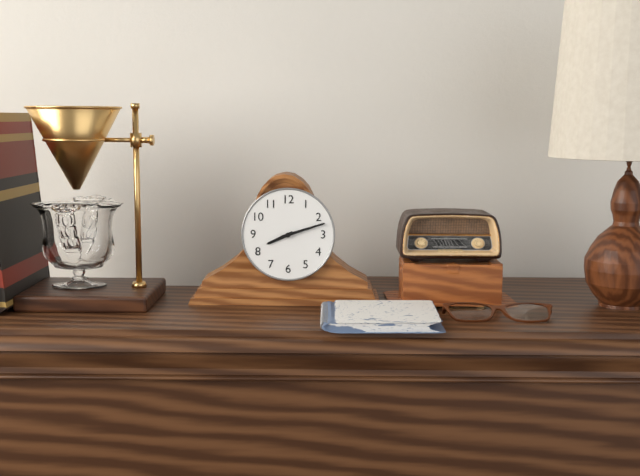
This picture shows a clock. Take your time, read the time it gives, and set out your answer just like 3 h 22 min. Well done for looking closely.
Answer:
8 h 12 min
